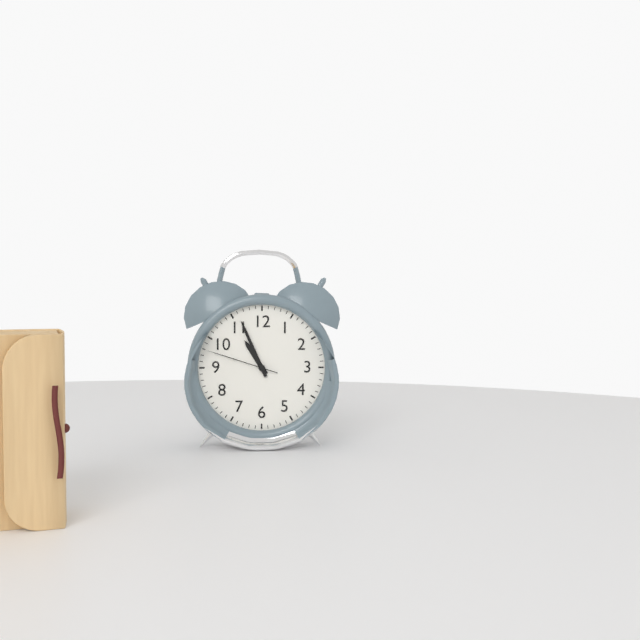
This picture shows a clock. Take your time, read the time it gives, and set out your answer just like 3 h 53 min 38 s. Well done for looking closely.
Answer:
10 h 56 min 48 s
